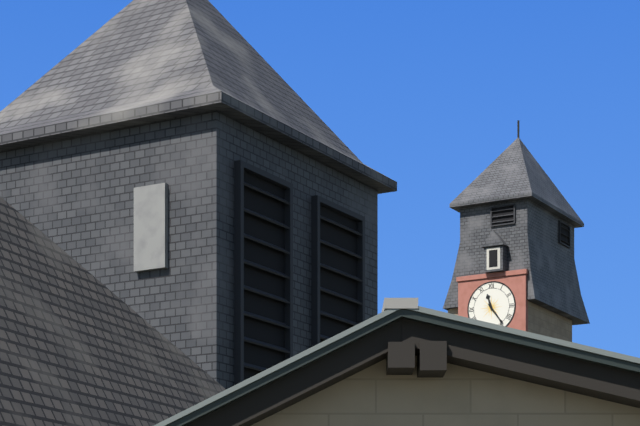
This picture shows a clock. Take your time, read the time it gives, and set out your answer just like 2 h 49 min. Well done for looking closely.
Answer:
11 h 24 min
